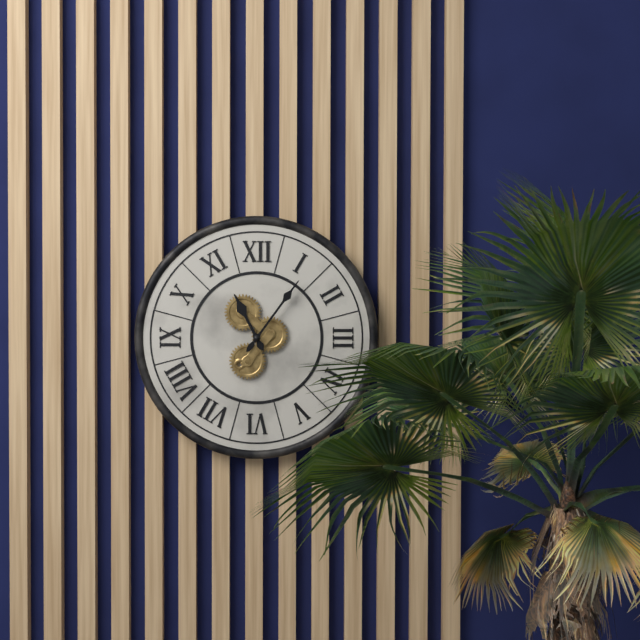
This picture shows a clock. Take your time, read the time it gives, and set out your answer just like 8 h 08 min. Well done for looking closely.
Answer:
11 h 06 min
